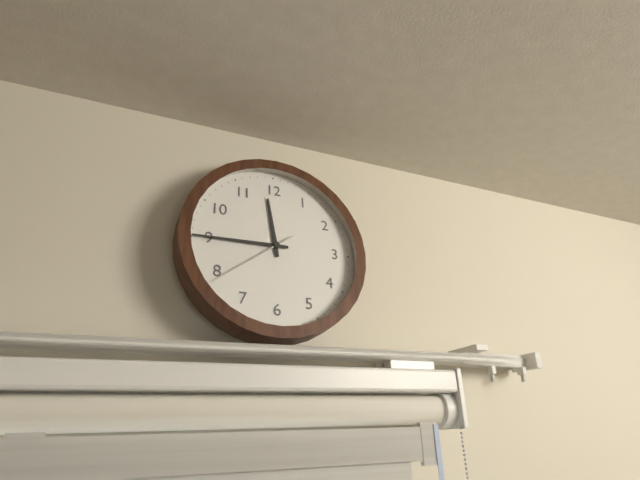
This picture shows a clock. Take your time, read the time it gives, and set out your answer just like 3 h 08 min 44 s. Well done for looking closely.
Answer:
11 h 45 min 39 s
